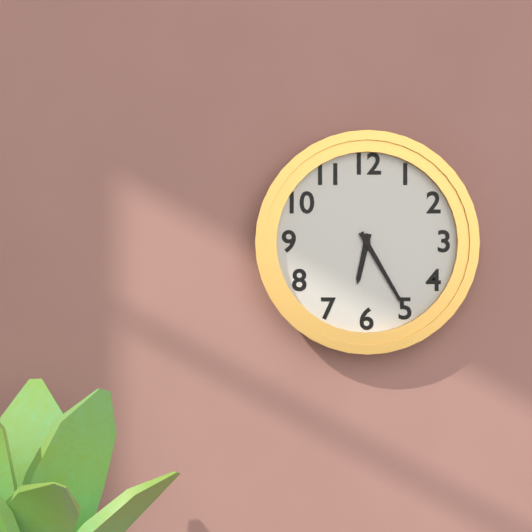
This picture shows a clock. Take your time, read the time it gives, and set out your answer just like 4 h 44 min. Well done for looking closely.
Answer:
6 h 25 min
